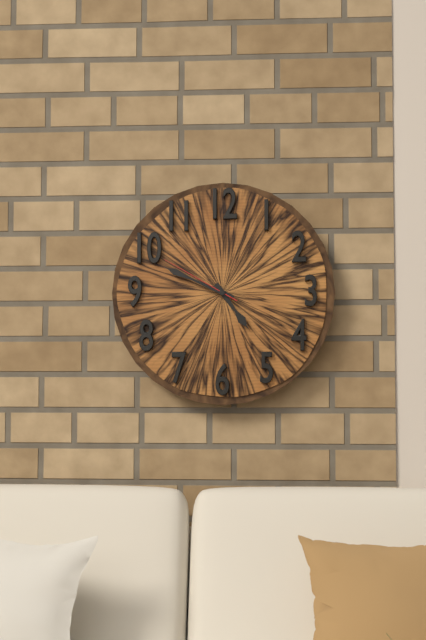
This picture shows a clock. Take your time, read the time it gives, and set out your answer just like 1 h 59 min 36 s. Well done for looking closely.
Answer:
4 h 49 min 50 s
